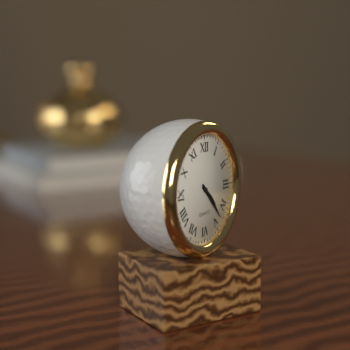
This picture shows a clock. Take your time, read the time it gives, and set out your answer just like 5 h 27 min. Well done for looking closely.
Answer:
4 h 23 min
